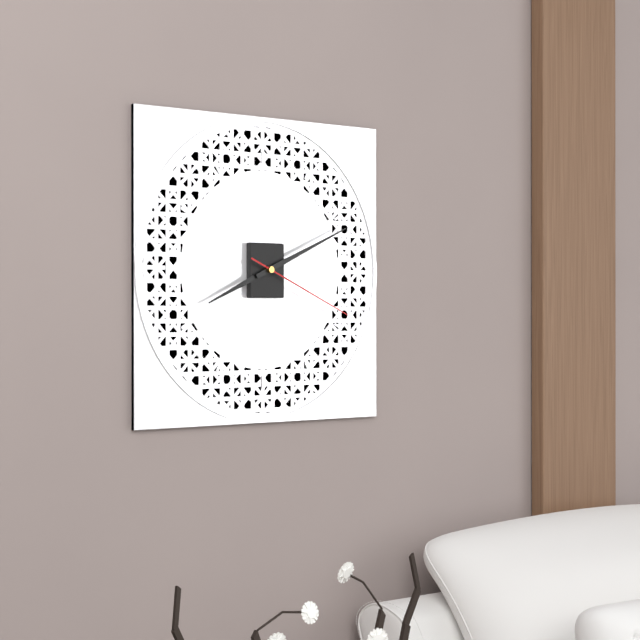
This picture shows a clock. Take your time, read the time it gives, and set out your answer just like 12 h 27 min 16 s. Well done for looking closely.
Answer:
8 h 11 min 19 s
